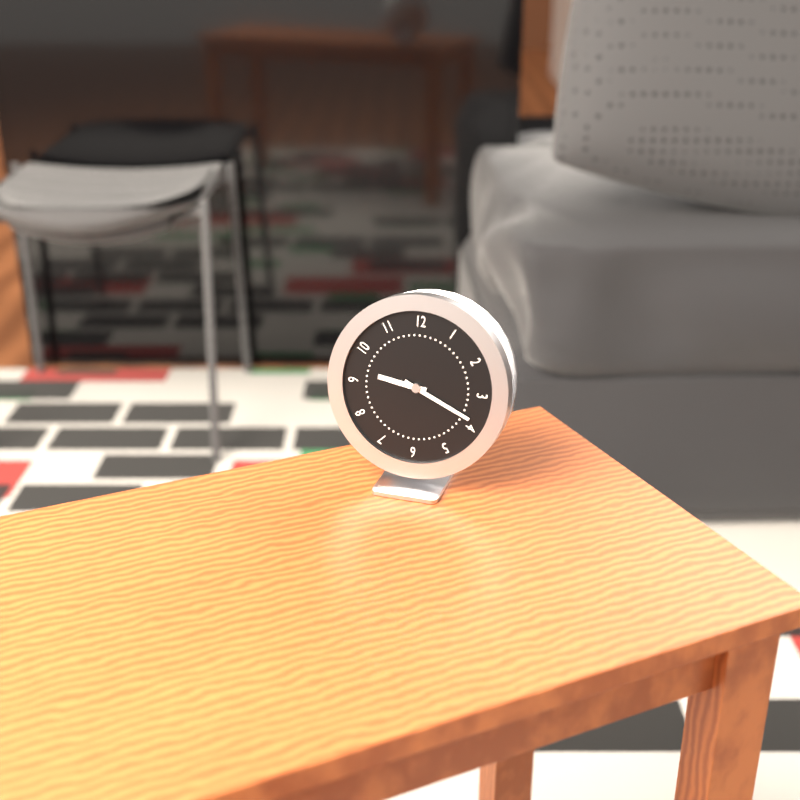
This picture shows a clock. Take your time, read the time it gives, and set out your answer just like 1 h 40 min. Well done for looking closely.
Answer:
9 h 19 min
